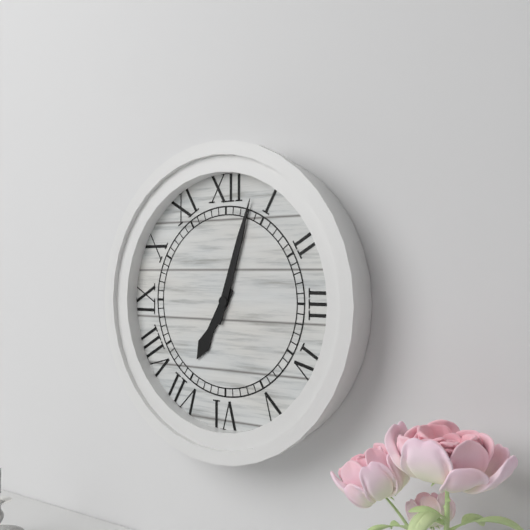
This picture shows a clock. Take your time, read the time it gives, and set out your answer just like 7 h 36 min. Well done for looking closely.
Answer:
7 h 03 min
